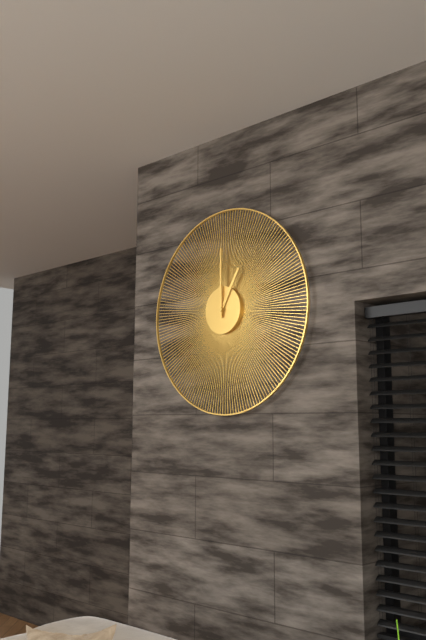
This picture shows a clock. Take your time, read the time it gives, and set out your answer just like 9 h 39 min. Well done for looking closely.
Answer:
1 h 00 min
